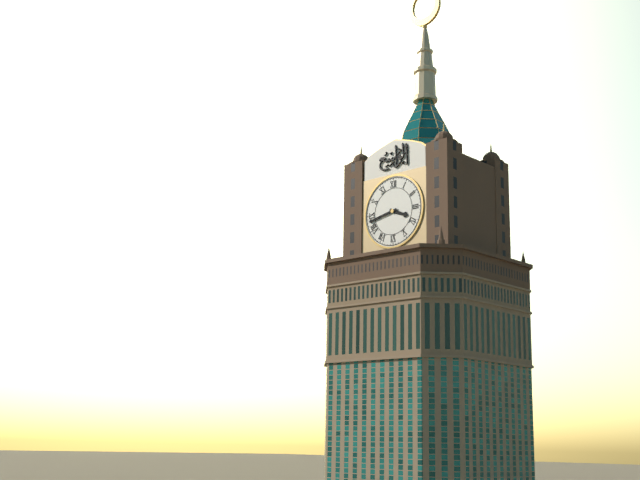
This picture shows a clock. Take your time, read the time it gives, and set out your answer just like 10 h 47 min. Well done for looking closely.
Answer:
3 h 43 min
